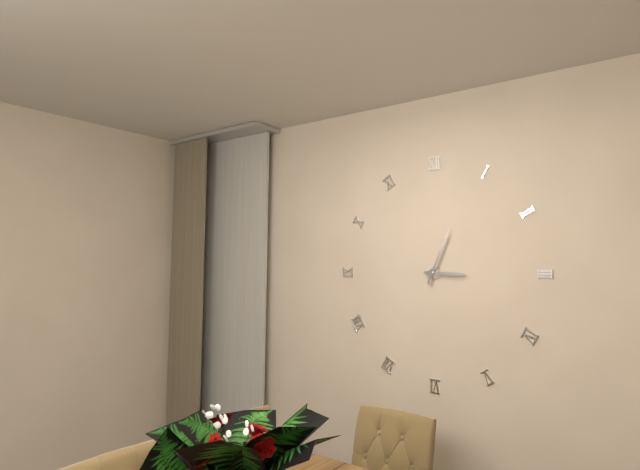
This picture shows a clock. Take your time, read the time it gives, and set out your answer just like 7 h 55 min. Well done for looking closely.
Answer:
3 h 04 min
